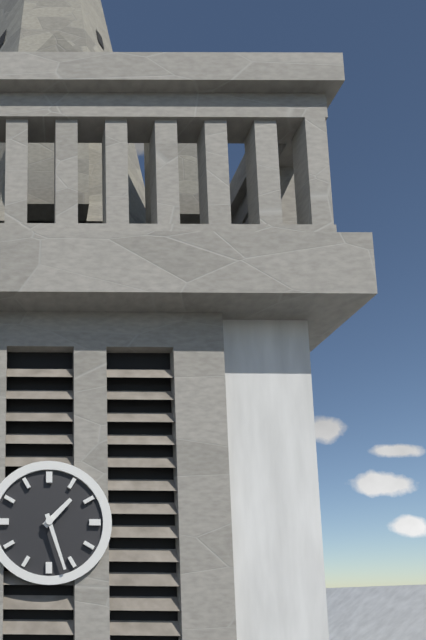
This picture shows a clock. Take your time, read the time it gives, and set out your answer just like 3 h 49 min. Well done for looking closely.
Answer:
1 h 27 min
